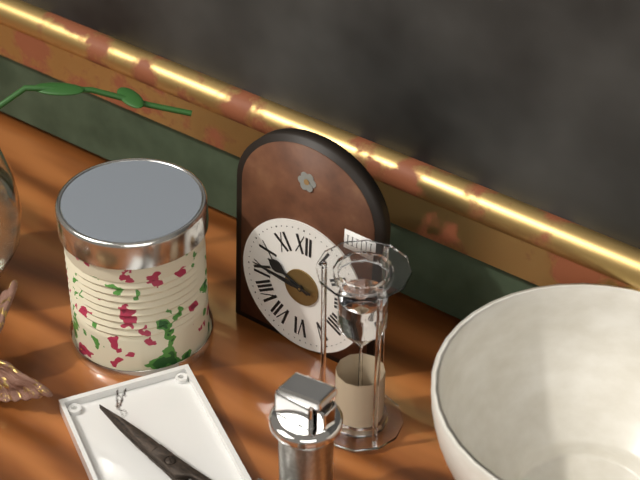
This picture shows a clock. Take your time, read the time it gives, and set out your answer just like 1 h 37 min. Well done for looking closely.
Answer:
9 h 46 min
